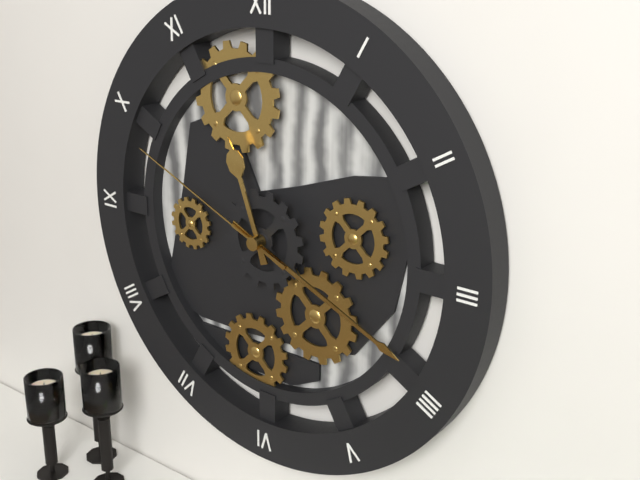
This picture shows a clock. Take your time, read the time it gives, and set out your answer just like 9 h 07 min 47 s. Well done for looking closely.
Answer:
11 h 19 min 49 s
